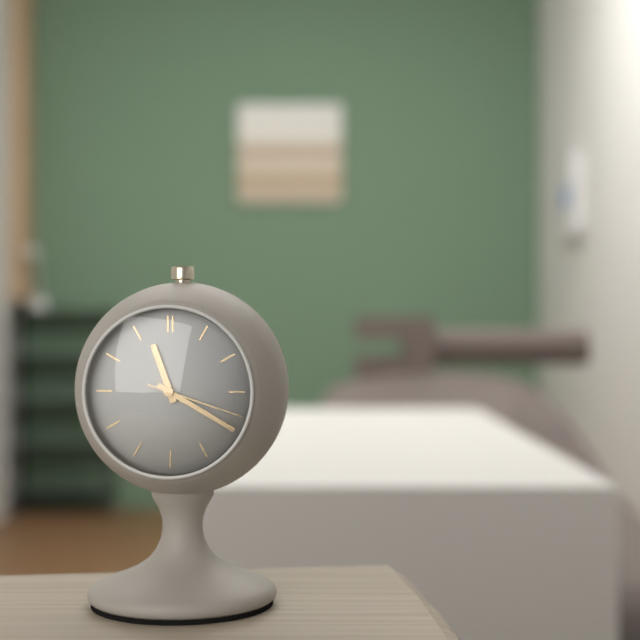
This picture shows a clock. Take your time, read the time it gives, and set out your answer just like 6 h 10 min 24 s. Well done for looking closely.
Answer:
11 h 20 min 18 s
